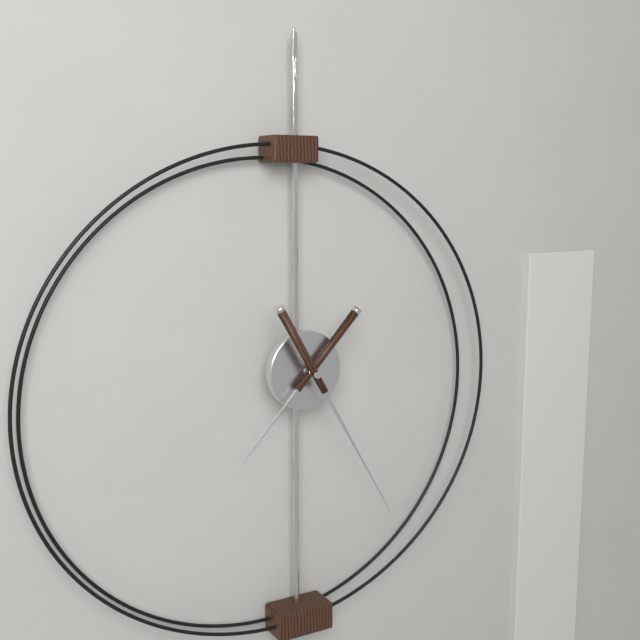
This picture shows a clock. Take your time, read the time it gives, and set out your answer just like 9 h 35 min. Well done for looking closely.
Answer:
7 h 25 min
